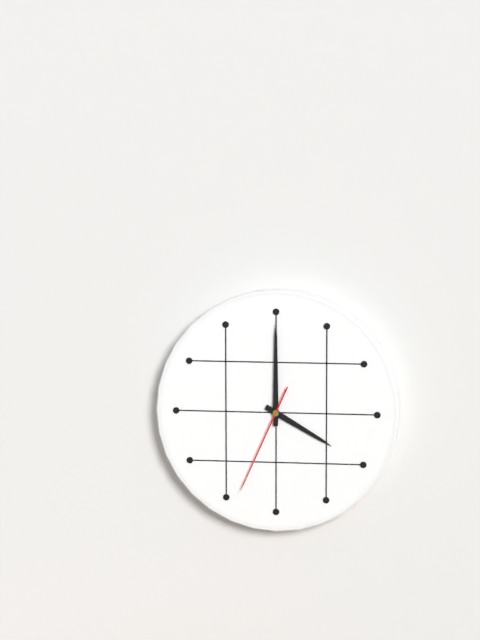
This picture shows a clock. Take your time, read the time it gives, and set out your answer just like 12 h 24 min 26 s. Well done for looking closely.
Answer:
4 h 00 min 34 s
